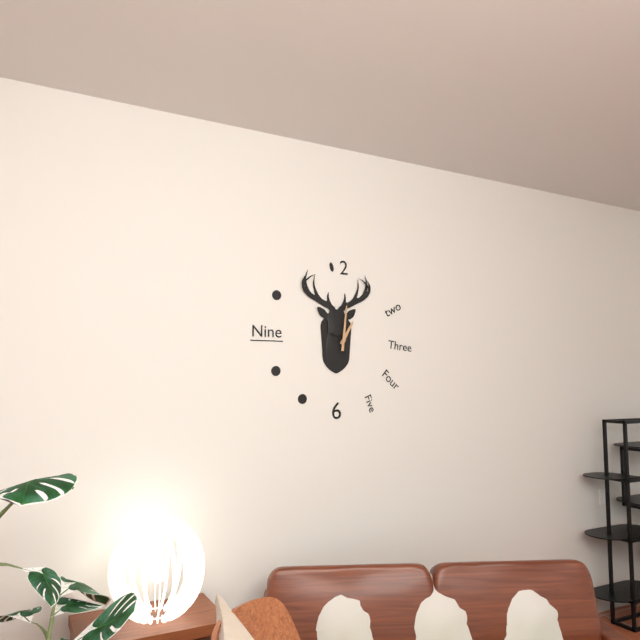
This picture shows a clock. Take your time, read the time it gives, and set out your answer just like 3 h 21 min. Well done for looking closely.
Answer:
1 h 01 min
